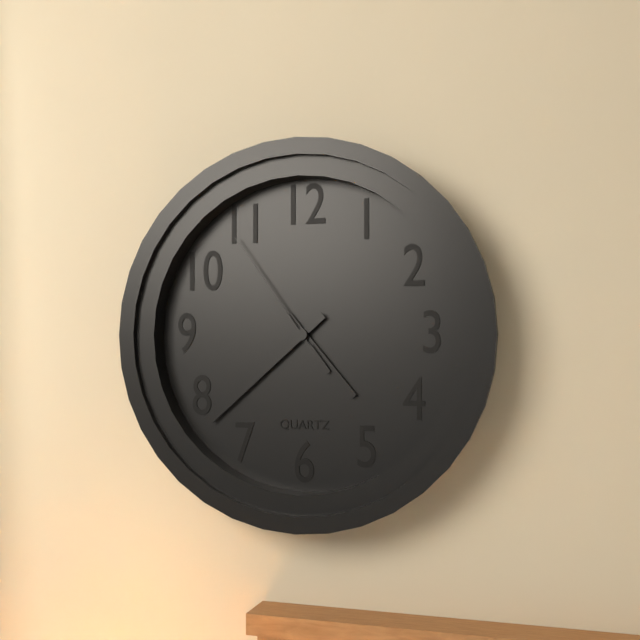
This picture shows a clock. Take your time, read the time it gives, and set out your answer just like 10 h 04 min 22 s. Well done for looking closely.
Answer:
4 h 38 min 54 s
